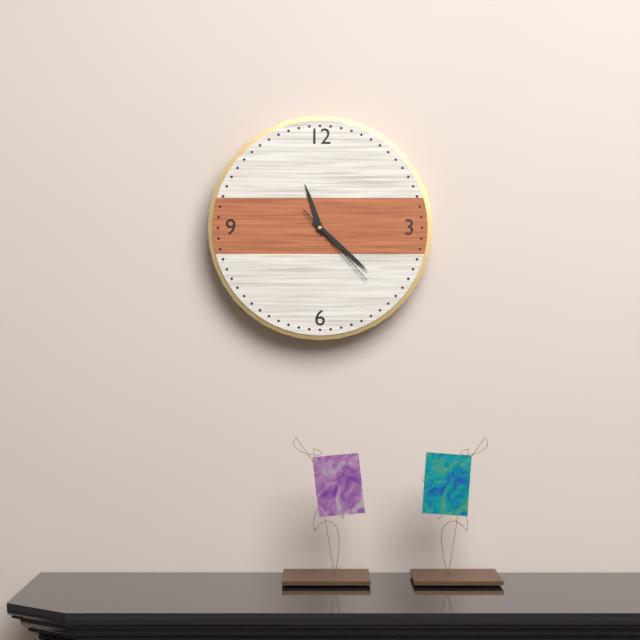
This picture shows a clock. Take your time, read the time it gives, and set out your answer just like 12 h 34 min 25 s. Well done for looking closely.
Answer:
11 h 22 min 23 s
